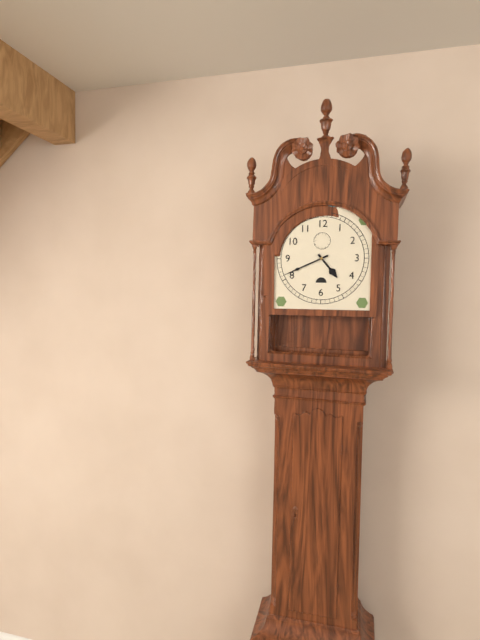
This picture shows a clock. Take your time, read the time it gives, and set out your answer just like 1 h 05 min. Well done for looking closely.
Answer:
4 h 41 min
